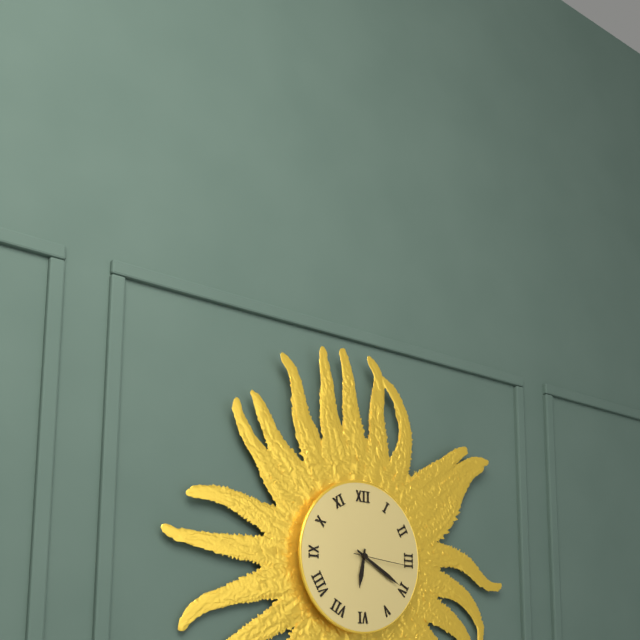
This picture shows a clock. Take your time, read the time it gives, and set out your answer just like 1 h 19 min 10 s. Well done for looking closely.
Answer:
6 h 20 min 16 s
